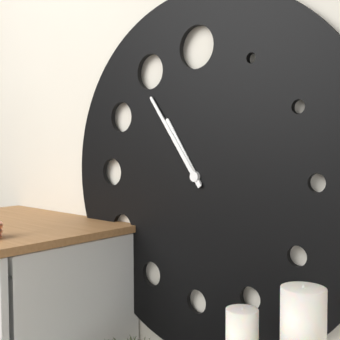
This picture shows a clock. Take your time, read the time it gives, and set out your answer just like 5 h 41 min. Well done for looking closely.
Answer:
10 h 54 min
